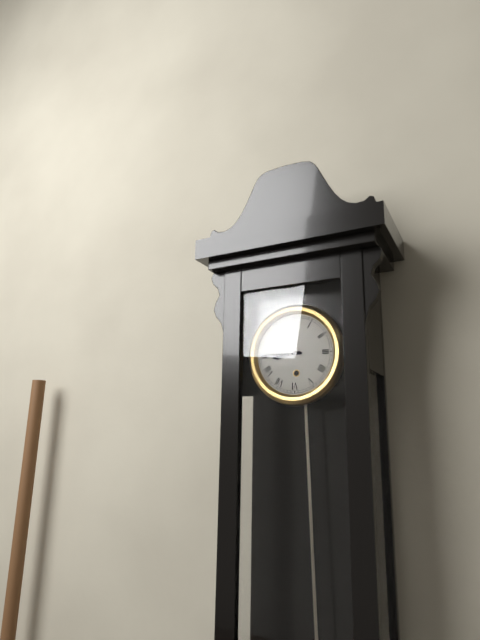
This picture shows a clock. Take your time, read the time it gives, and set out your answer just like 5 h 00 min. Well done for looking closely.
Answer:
8 h 45 min
